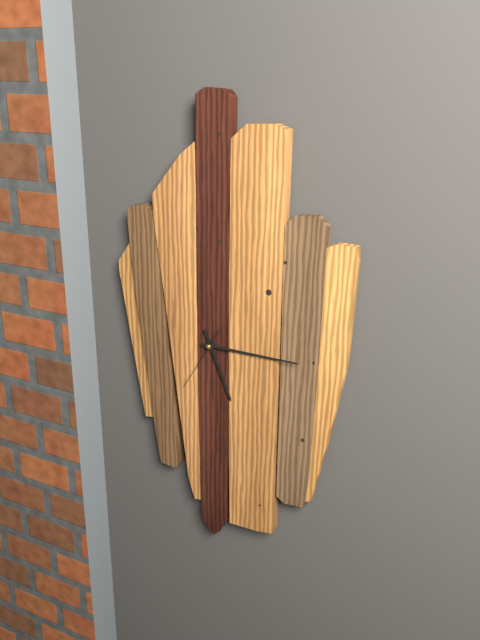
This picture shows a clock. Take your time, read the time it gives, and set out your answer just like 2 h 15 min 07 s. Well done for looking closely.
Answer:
5 h 15 min 35 s
